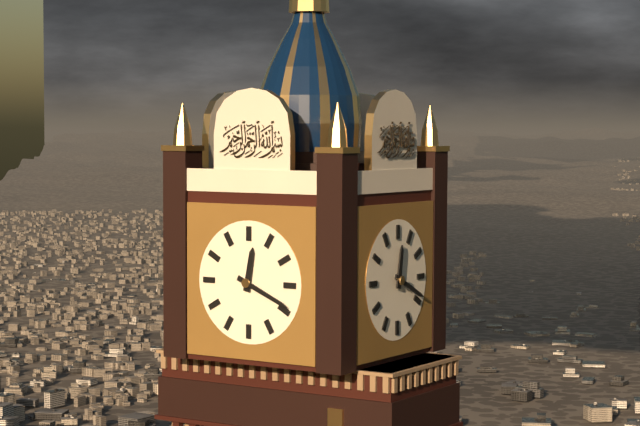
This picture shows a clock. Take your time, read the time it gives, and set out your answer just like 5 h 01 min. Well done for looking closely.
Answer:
12 h 19 min
